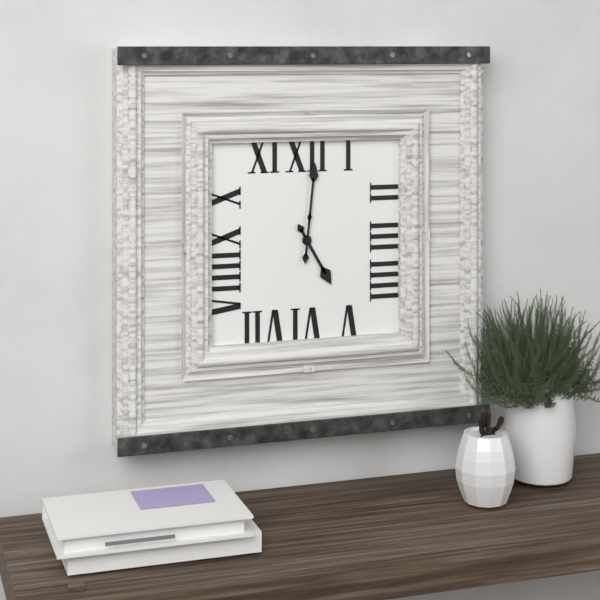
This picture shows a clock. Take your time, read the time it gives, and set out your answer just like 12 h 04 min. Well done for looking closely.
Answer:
5 h 01 min
